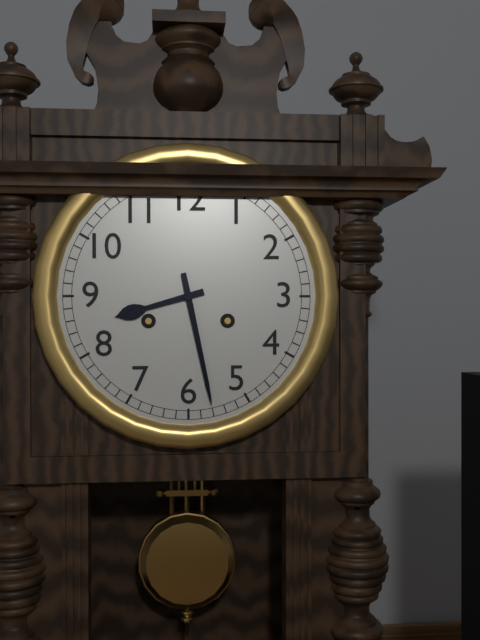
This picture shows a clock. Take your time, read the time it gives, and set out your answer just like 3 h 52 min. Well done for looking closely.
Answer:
8 h 28 min
